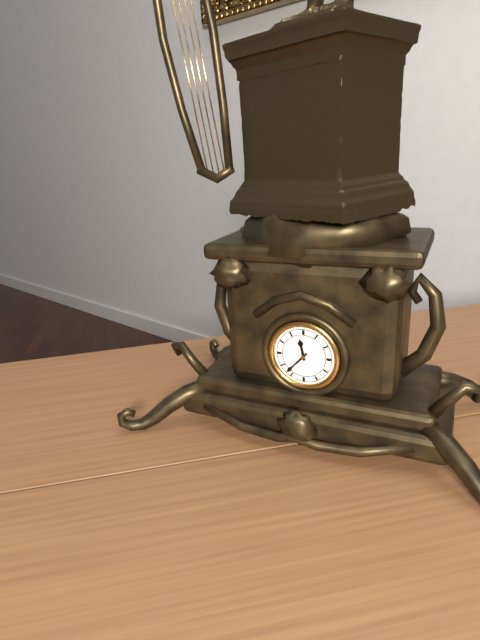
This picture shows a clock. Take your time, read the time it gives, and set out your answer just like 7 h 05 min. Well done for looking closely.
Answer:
11 h 37 min
